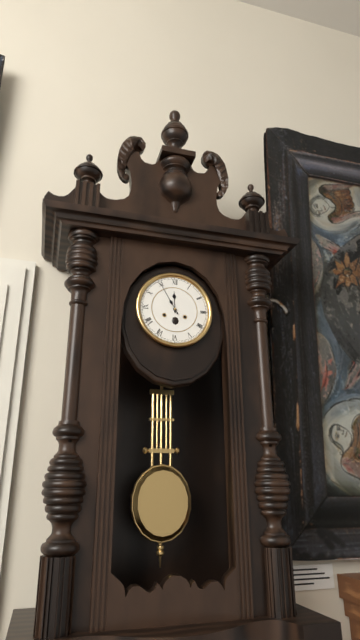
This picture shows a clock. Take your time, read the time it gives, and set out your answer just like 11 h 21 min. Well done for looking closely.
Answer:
11 h 55 min
